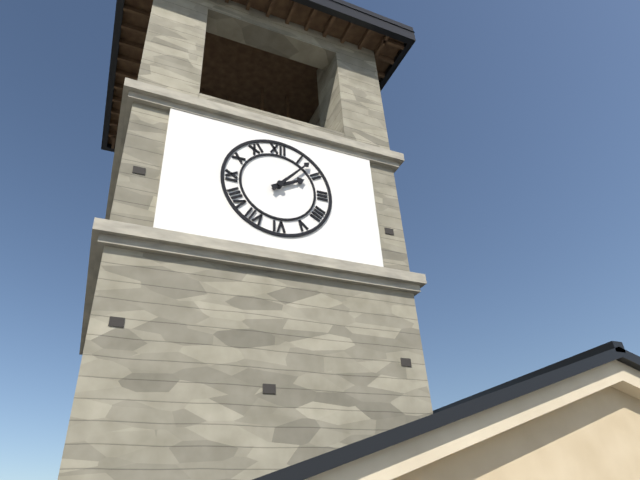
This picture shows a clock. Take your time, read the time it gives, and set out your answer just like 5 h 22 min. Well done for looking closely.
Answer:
2 h 07 min
